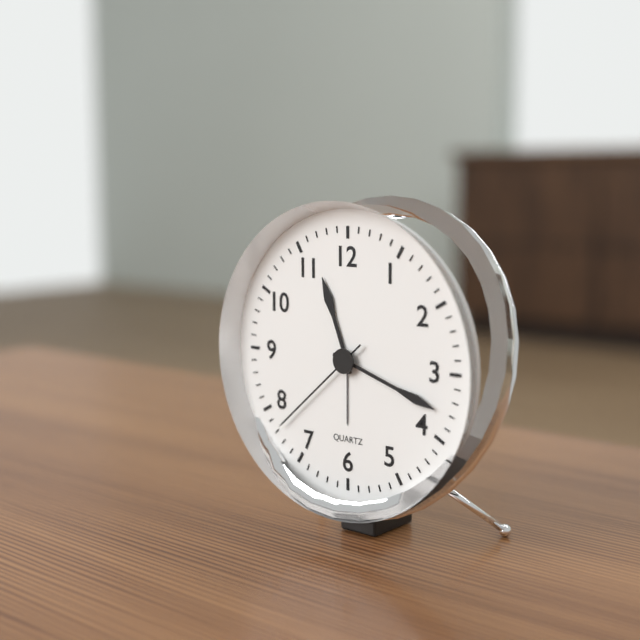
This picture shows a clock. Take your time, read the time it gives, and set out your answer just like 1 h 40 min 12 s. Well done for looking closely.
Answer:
11 h 18 min 38 s
